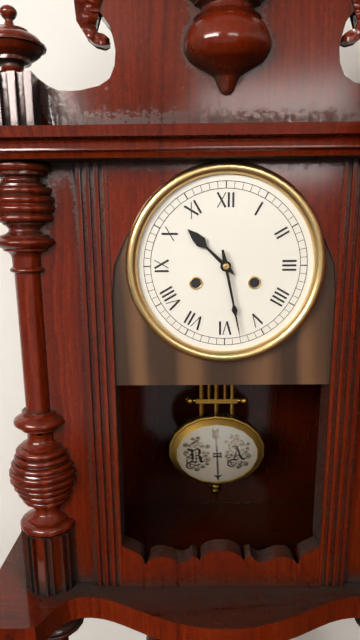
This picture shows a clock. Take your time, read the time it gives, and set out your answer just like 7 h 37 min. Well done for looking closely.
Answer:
10 h 28 min
